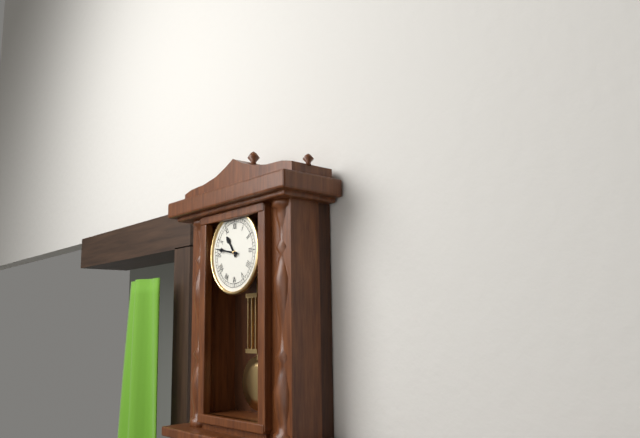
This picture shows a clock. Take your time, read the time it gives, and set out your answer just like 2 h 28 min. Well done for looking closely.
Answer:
10 h 47 min
